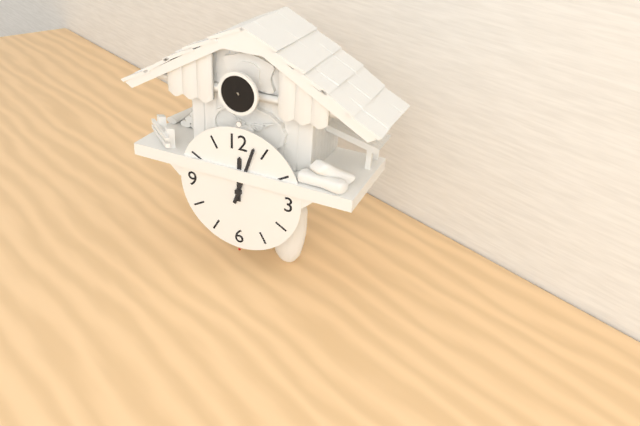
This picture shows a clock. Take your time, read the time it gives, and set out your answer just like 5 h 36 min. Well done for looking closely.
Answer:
12 h 03 min
